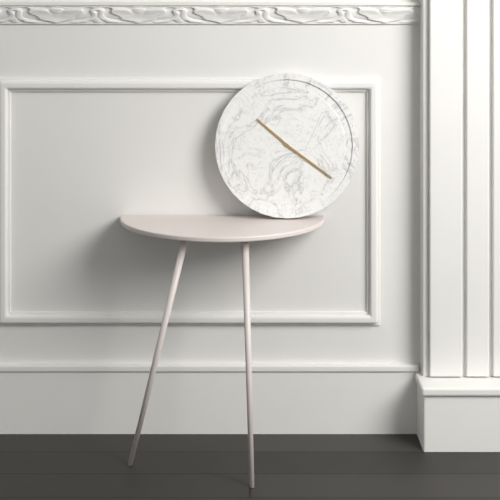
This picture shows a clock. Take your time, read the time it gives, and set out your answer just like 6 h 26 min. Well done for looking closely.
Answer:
10 h 21 min
